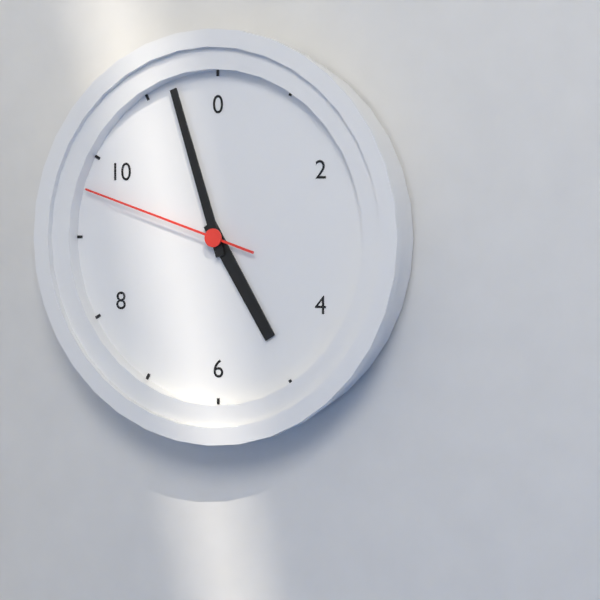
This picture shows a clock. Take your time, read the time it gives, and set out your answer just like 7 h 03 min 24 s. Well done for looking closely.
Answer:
4 h 57 min 48 s
